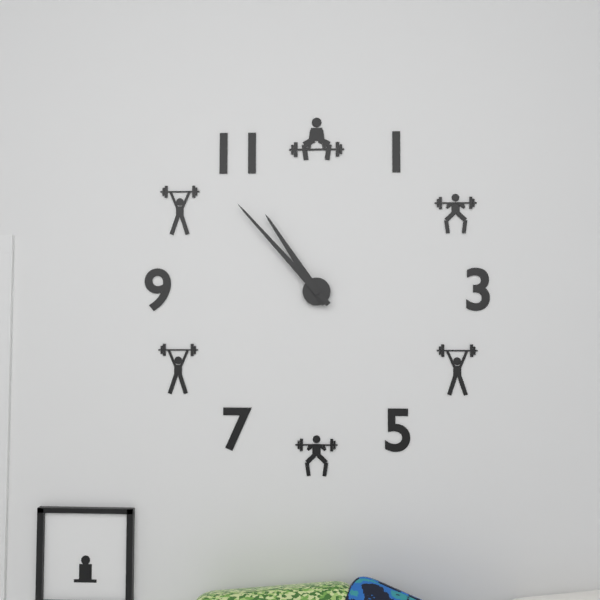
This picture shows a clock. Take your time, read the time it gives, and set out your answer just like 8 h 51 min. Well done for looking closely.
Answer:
10 h 53 min
